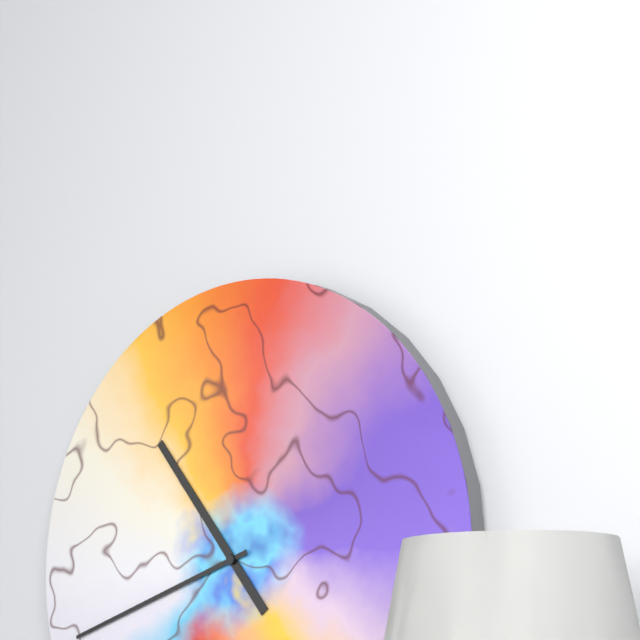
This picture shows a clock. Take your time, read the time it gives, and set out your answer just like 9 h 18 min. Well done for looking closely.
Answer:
10 h 42 min
